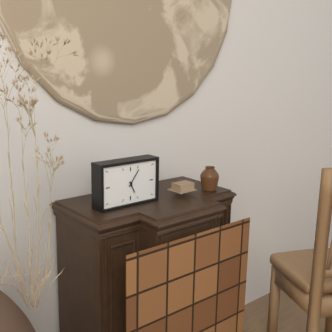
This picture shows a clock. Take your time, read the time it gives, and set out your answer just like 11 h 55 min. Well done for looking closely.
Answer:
5 h 06 min
